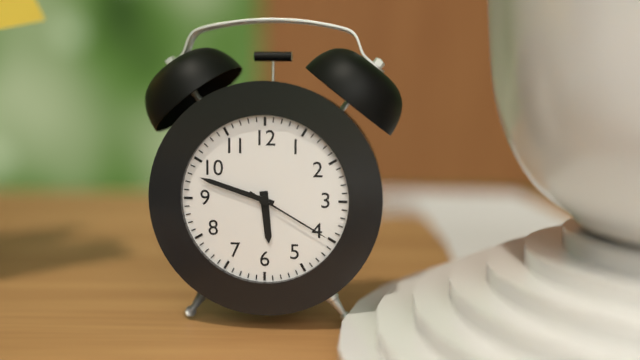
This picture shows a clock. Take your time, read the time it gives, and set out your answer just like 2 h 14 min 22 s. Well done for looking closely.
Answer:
5 h 48 min 20 s
